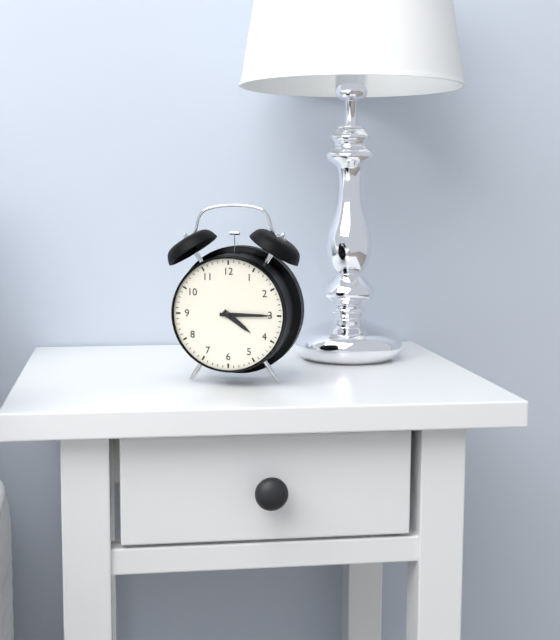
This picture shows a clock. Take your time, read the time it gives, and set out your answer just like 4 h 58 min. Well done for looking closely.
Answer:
4 h 15 min
